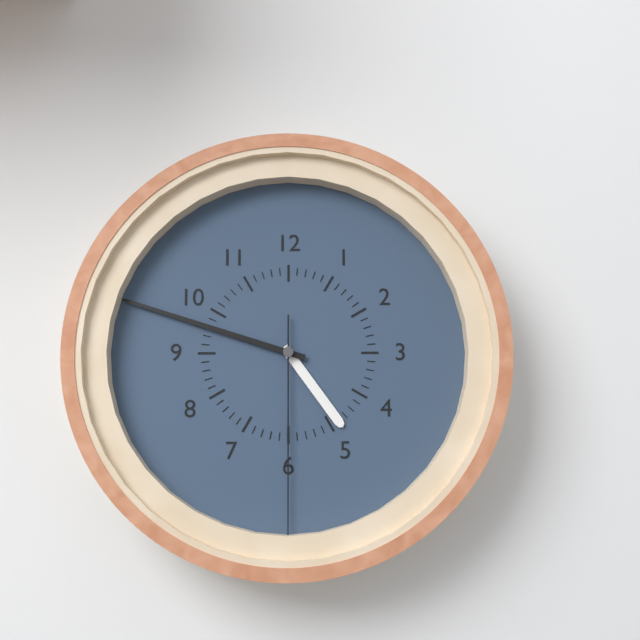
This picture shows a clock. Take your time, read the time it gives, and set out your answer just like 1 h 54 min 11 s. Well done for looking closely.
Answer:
4 h 48 min 30 s
